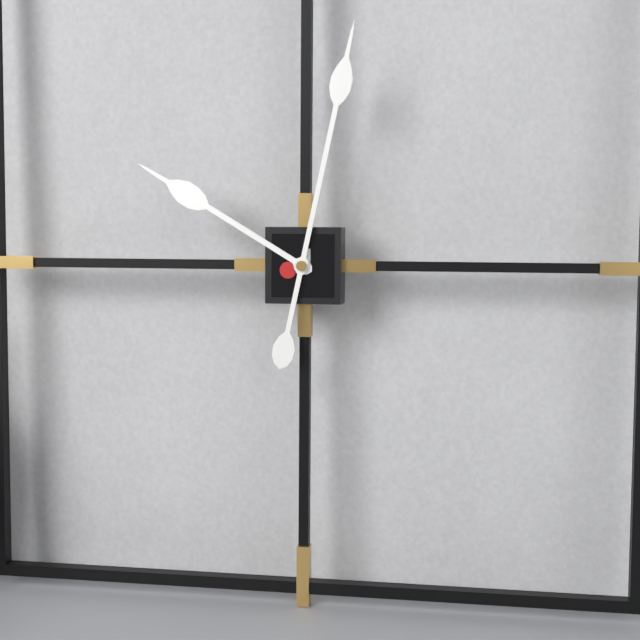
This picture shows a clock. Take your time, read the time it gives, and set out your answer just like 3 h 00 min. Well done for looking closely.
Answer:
10 h 02 min
